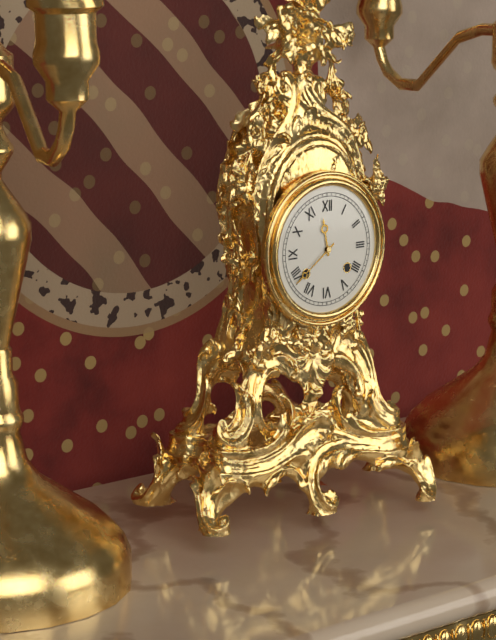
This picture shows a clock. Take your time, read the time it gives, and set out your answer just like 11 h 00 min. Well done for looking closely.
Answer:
11 h 39 min
